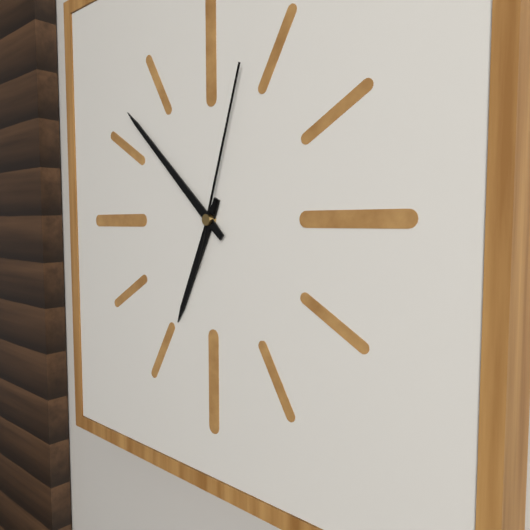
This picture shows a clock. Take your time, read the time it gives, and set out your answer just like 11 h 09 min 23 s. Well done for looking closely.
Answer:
6 h 52 min 03 s
